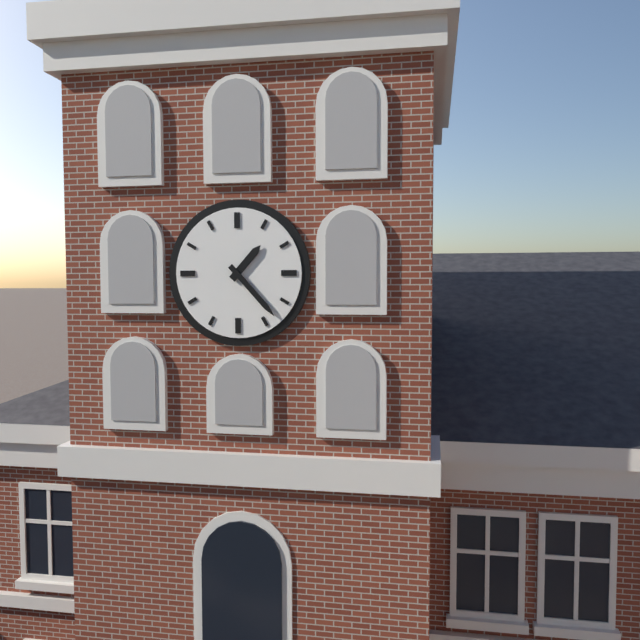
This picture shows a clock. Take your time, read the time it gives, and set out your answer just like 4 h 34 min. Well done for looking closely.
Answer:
1 h 23 min
